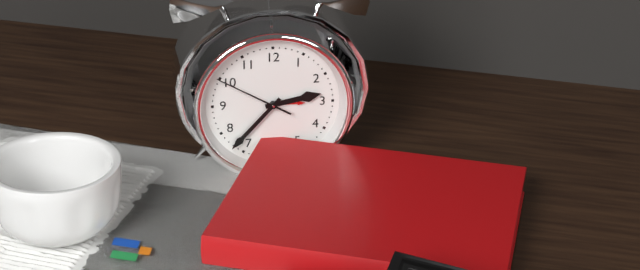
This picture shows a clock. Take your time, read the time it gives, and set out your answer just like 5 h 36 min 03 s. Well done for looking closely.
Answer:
2 h 37 min 50 s
